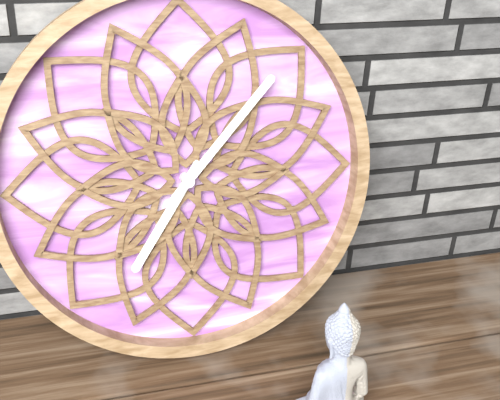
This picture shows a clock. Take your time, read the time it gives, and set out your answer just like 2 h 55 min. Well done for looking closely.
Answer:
7 h 07 min
